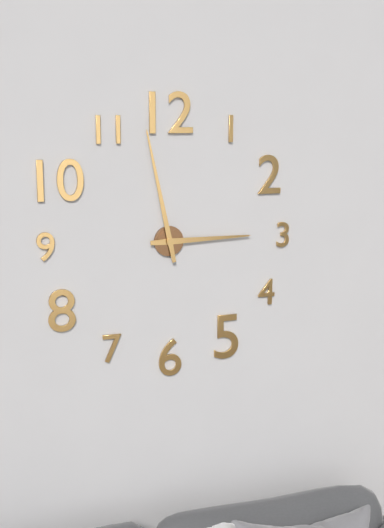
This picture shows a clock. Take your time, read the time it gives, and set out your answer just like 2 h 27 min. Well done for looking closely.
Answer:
2 h 58 min
